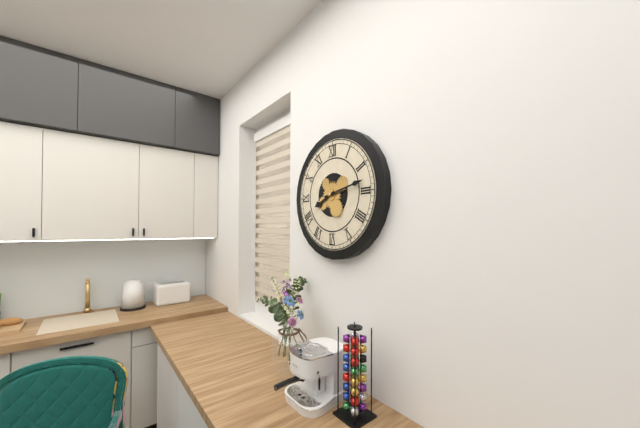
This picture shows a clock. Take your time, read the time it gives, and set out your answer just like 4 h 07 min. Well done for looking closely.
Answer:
8 h 13 min
